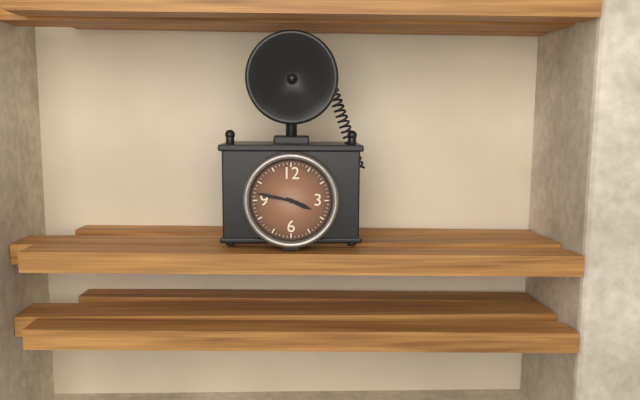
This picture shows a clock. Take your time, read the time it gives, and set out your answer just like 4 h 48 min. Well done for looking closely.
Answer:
3 h 47 min
